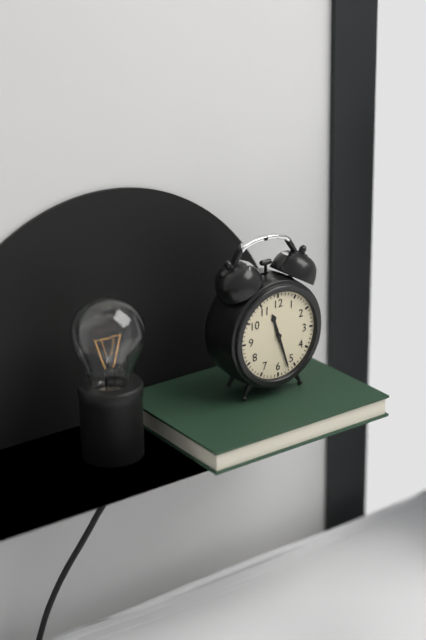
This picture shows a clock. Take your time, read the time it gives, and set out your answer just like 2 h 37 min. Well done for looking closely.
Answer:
11 h 27 min
